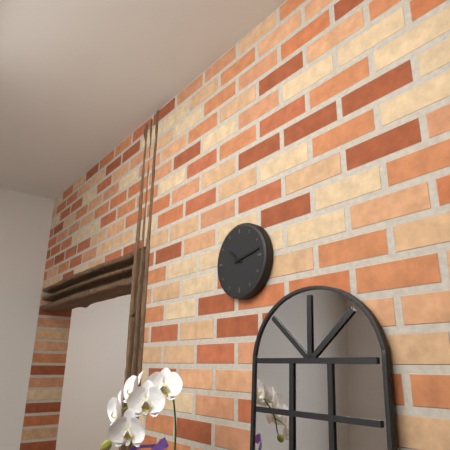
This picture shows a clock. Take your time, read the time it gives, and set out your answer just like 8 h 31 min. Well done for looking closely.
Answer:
10 h 13 min
